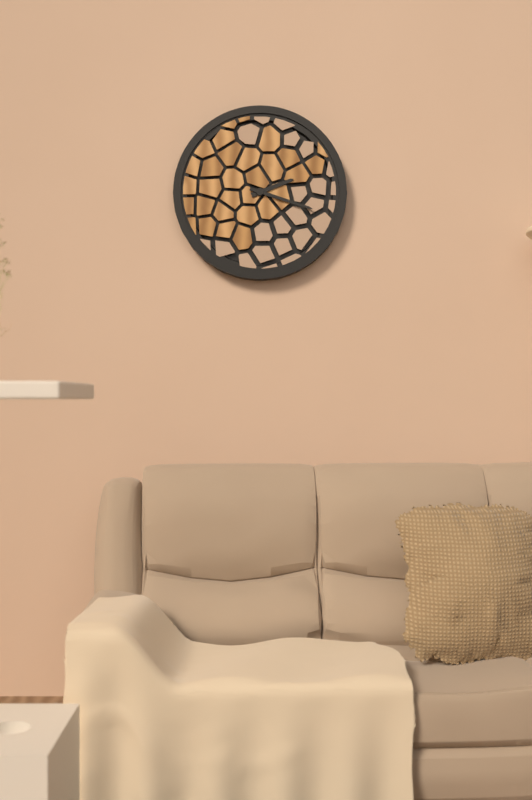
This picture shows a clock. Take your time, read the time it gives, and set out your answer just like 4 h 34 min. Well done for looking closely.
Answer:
2 h 18 min
